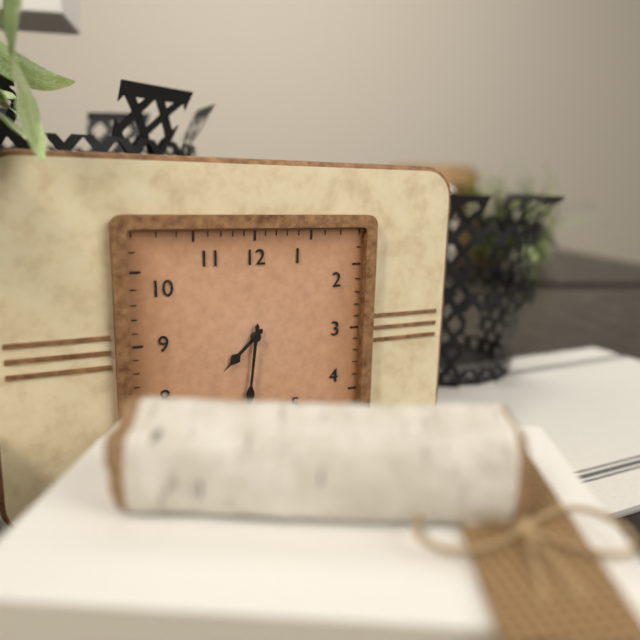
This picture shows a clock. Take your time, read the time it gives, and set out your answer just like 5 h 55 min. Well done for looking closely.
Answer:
7 h 31 min
